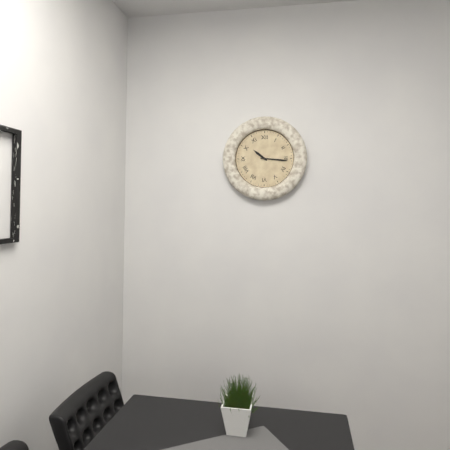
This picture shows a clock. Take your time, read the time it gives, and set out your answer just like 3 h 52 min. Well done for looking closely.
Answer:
10 h 16 min
